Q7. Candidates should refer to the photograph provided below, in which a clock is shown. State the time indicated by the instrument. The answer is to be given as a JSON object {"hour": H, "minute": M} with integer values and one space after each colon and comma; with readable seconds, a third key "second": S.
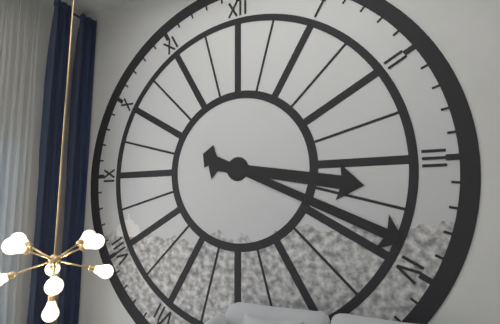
{"hour": 3, "minute": 19}
